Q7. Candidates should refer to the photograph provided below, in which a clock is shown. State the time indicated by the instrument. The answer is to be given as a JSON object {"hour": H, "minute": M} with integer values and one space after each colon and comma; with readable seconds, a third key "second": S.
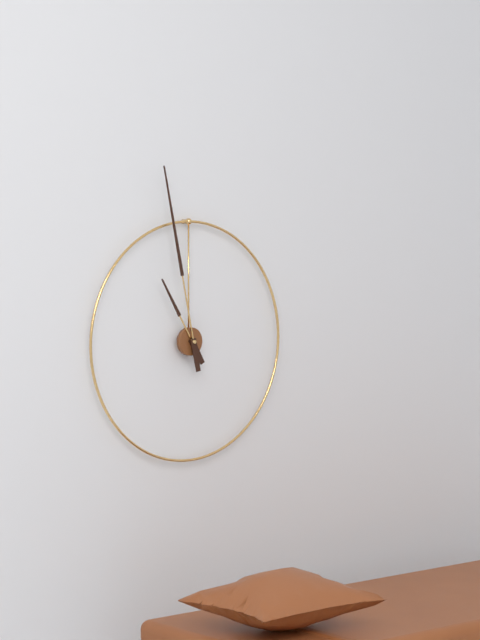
{"hour": 10, "minute": 58}
